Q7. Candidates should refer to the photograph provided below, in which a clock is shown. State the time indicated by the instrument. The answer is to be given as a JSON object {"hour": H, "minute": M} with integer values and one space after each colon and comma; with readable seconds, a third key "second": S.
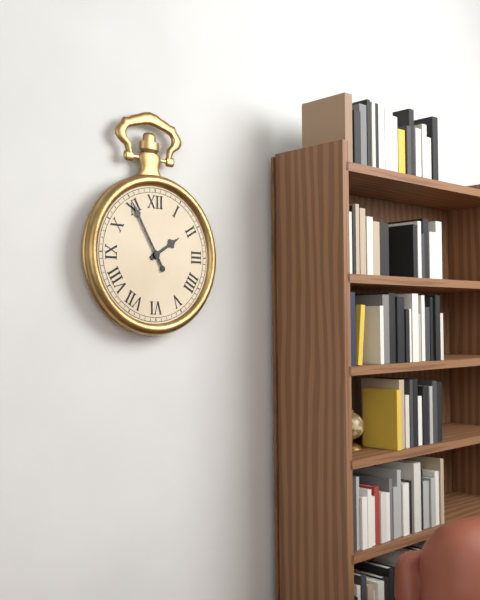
{"hour": 1, "minute": 55}
